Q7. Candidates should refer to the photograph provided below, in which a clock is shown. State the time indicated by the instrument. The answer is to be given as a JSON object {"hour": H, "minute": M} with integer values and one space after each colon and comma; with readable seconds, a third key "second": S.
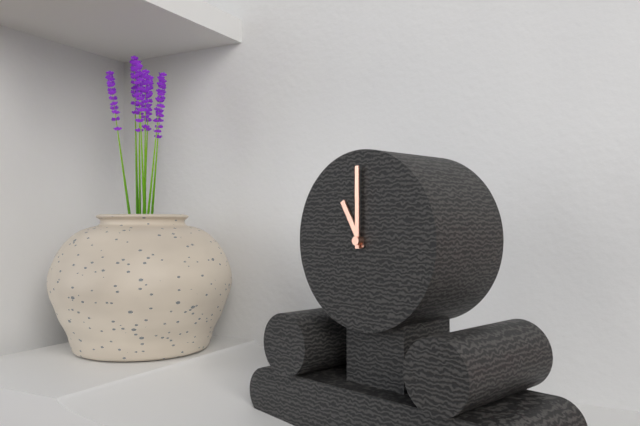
{"hour": 11, "minute": 0}
